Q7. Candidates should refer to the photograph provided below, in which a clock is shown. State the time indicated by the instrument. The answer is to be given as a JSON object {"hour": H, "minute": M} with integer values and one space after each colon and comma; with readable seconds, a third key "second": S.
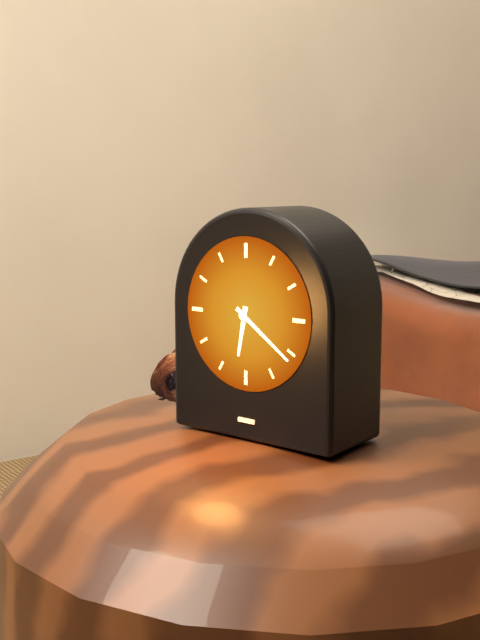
{"hour": 6, "minute": 21}
